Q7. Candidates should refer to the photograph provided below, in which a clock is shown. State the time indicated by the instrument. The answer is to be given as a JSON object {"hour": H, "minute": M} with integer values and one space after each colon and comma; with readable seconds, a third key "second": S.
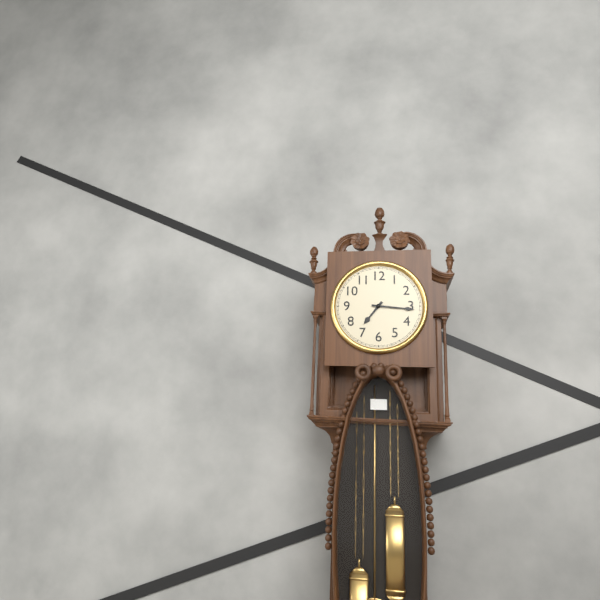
{"hour": 7, "minute": 16}
